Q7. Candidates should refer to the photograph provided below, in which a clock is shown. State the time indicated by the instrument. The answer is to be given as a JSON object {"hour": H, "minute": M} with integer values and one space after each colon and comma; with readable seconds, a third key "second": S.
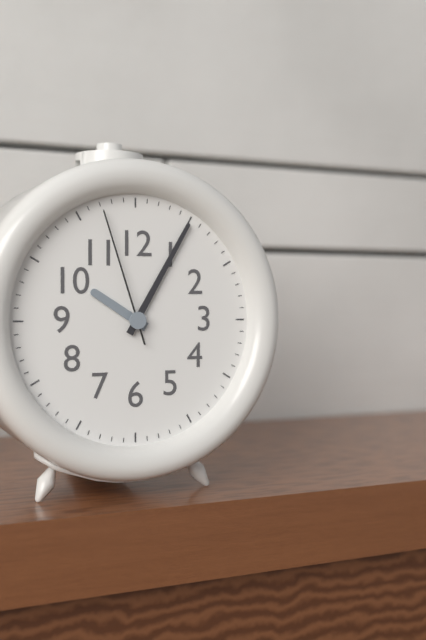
{"hour": 10, "minute": 5, "second": 57}
